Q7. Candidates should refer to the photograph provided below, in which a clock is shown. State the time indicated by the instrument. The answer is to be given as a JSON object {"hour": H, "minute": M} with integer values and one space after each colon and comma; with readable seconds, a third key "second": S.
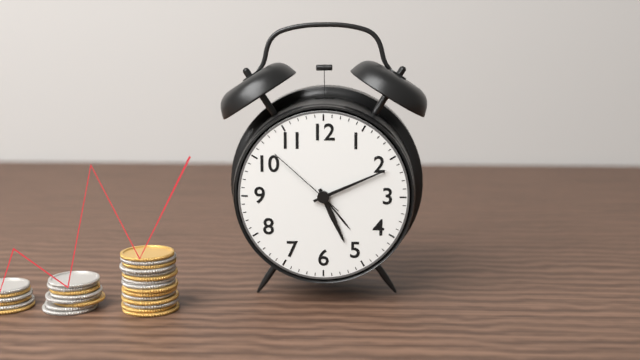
{"hour": 5, "minute": 11, "second": 52}
